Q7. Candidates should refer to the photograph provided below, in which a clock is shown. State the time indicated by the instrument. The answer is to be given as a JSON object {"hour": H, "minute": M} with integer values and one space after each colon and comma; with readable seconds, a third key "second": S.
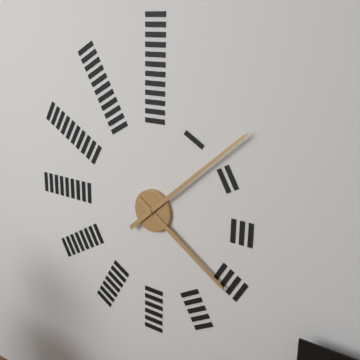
{"hour": 4, "minute": 8}
